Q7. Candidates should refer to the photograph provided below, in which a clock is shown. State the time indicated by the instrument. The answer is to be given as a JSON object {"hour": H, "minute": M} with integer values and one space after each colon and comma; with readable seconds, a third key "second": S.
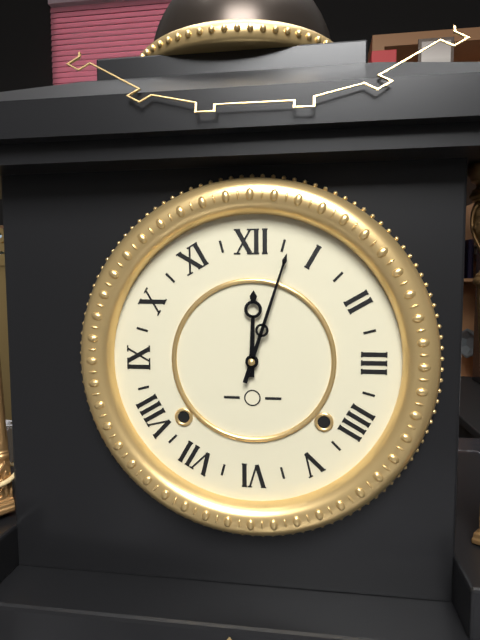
{"hour": 12, "minute": 3}
